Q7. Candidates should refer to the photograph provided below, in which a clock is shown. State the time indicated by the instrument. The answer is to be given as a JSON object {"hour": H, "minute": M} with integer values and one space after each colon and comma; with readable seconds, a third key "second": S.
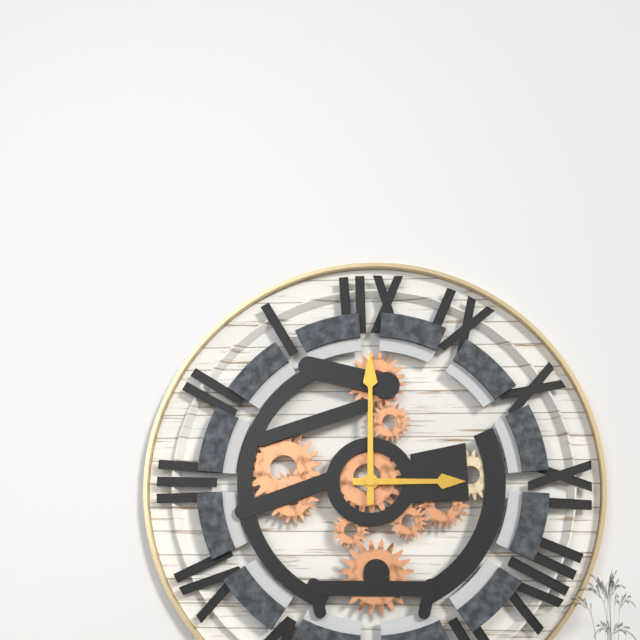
{"hour": 3, "minute": 0}
